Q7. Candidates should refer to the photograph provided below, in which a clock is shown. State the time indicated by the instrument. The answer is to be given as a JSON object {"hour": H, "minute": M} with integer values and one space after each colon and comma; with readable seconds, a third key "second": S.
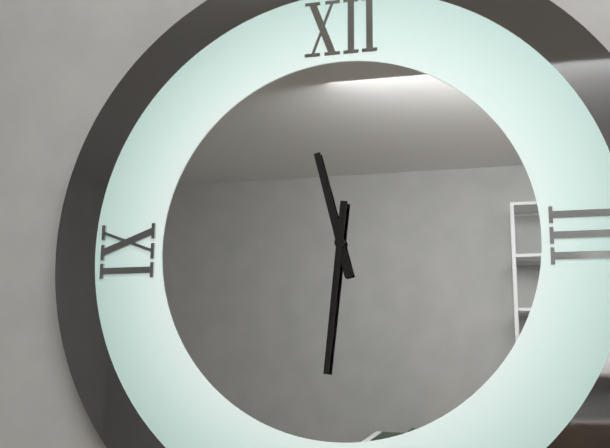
{"hour": 11, "minute": 31}
